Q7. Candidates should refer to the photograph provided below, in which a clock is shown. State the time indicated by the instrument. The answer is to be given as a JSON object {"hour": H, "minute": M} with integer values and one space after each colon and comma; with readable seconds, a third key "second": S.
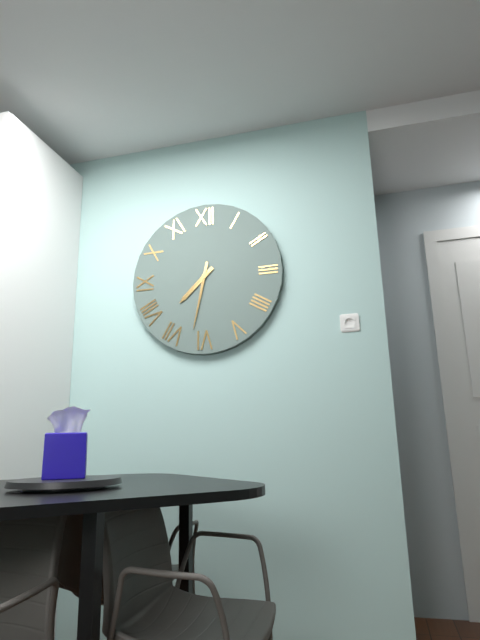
{"hour": 7, "minute": 32}
